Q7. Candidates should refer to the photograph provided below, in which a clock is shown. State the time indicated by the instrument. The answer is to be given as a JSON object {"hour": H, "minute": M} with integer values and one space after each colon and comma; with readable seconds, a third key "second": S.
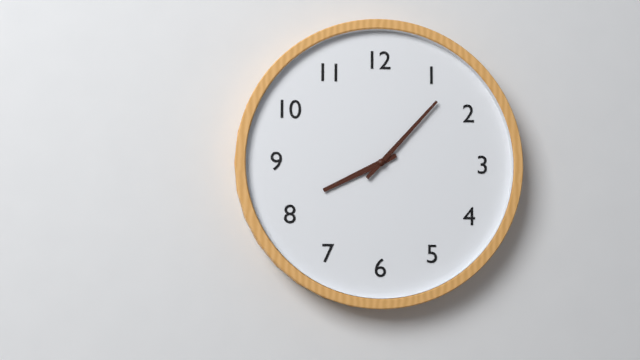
{"hour": 8, "minute": 7}
